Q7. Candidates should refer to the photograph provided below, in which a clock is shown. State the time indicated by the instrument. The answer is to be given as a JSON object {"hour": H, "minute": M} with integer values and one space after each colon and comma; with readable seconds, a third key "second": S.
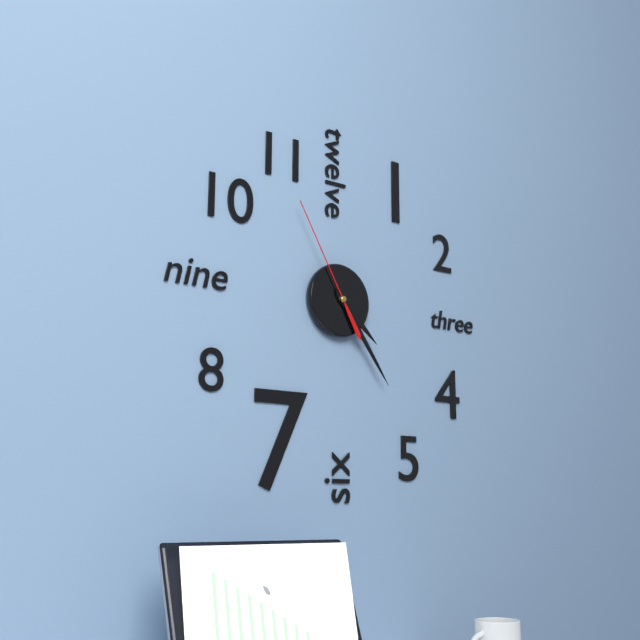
{"hour": 4, "minute": 24, "second": 55}
